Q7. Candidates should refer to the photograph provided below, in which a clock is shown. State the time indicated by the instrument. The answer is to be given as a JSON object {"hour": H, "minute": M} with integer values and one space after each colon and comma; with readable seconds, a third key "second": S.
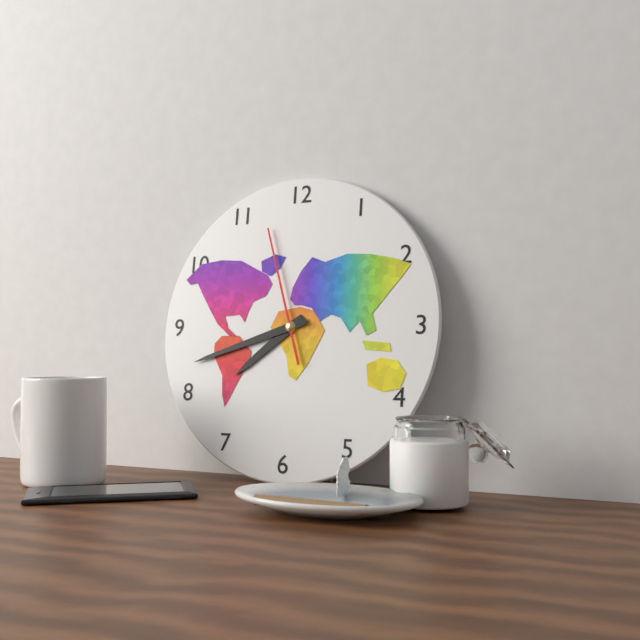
{"hour": 7, "minute": 42, "second": 57}
